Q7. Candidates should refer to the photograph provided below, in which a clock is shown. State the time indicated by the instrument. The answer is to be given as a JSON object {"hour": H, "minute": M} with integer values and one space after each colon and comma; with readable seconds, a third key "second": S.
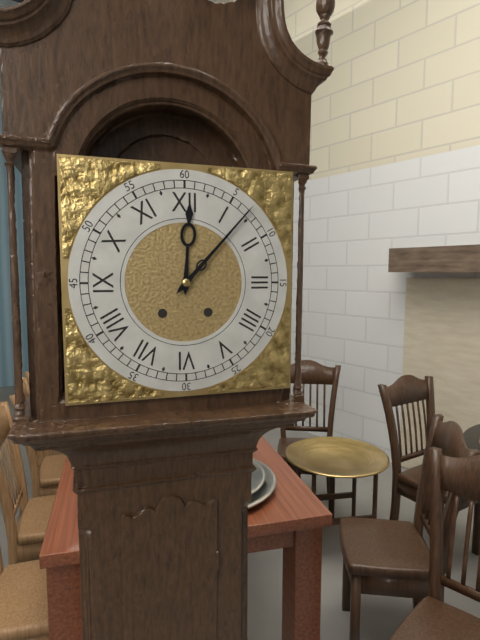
{"hour": 12, "minute": 7}
